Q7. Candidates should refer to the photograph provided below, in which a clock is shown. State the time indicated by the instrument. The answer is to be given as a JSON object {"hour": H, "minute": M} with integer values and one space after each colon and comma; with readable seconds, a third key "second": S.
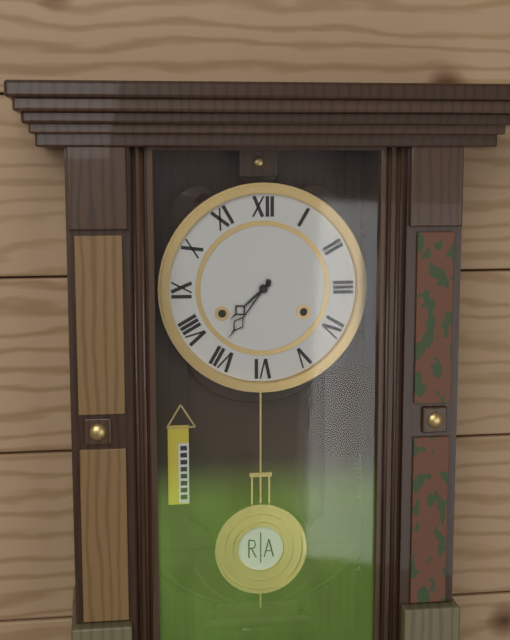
{"hour": 7, "minute": 36}
